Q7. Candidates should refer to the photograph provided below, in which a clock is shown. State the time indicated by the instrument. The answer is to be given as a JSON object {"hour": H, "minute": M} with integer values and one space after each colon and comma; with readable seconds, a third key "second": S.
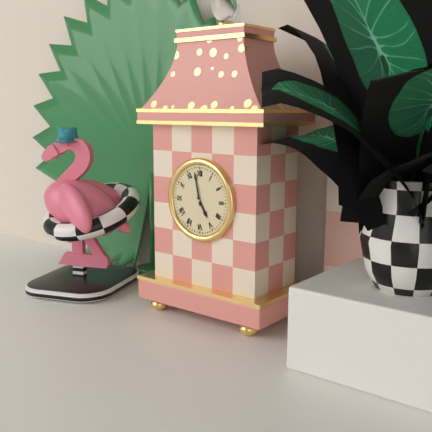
{"hour": 4, "minute": 58}
